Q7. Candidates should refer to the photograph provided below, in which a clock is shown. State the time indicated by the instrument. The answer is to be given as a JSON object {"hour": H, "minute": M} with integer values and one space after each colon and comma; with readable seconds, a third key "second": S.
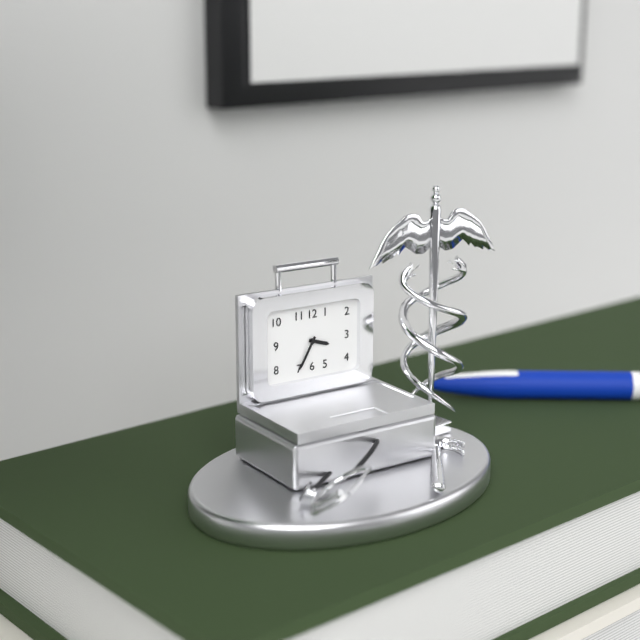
{"hour": 3, "minute": 35}
